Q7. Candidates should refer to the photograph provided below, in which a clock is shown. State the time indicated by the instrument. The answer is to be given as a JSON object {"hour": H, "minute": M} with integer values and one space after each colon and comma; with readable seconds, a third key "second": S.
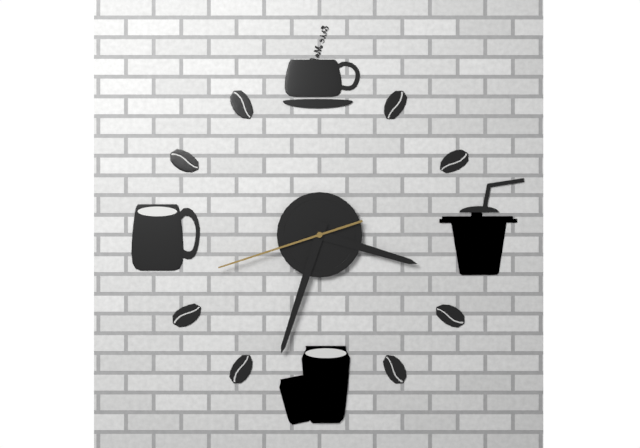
{"hour": 3, "minute": 33, "second": 42}
